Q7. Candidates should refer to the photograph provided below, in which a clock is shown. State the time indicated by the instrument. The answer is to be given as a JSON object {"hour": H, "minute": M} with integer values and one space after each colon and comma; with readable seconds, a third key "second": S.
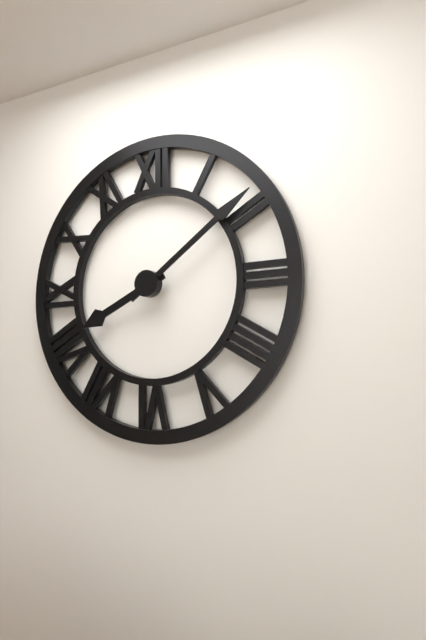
{"hour": 8, "minute": 9}
